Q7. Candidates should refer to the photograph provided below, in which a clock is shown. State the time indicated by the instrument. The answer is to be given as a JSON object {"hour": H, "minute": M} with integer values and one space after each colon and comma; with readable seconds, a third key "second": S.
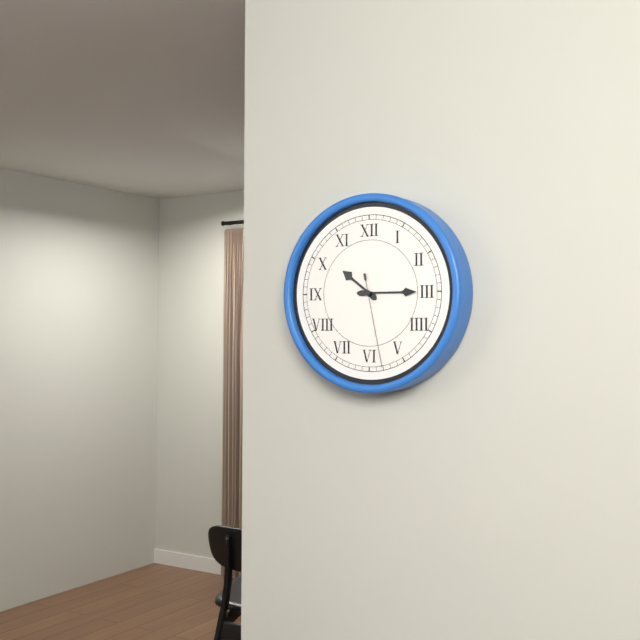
{"hour": 10, "minute": 15, "second": 28}
